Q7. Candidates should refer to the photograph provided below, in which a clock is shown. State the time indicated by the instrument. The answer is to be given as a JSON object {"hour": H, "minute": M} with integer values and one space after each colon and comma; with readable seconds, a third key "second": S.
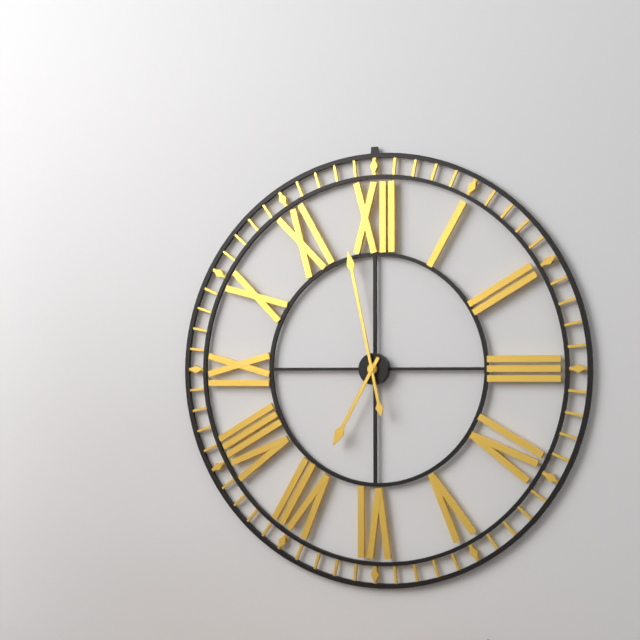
{"hour": 6, "minute": 58}
